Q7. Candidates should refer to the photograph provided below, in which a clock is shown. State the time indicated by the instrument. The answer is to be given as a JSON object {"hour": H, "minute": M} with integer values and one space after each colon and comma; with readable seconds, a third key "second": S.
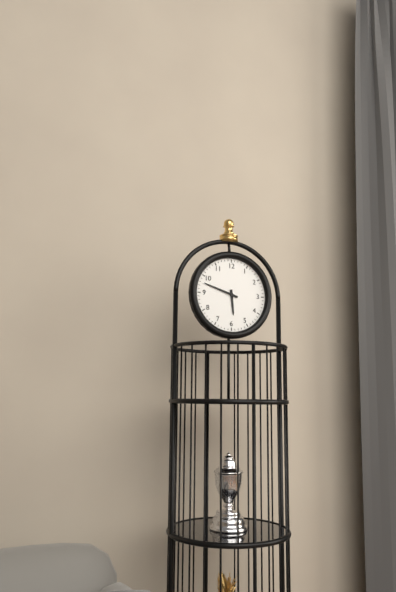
{"hour": 5, "minute": 48}
